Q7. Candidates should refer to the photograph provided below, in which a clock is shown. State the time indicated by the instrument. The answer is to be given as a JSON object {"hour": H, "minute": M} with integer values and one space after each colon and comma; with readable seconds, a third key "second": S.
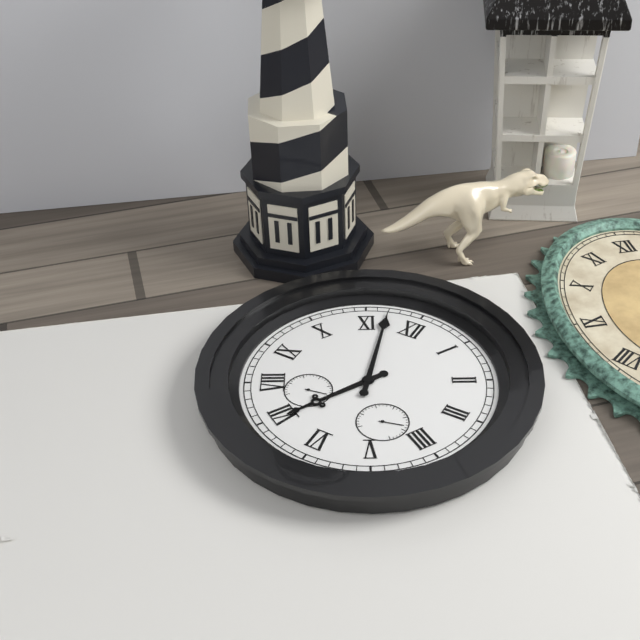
{"hour": 6, "minute": 57}
